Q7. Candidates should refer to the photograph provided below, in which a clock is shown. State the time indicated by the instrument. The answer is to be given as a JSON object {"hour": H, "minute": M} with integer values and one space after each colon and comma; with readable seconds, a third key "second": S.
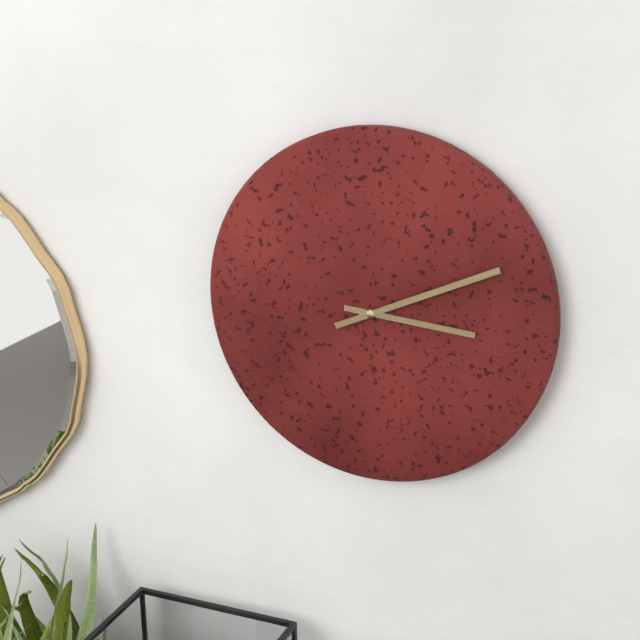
{"hour": 3, "minute": 11}
